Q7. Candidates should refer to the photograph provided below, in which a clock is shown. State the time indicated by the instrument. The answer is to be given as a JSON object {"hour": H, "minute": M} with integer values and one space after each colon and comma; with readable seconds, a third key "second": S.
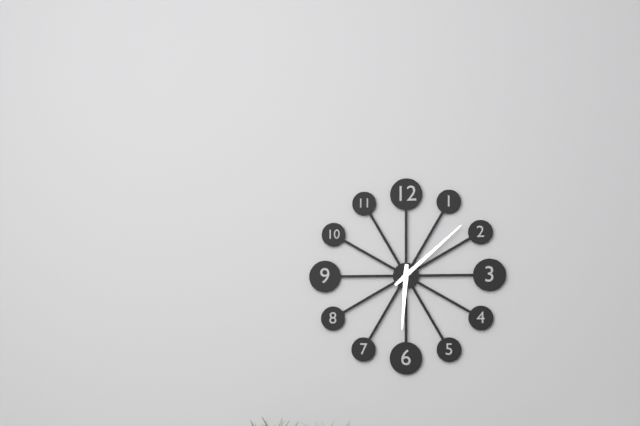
{"hour": 6, "minute": 8}
